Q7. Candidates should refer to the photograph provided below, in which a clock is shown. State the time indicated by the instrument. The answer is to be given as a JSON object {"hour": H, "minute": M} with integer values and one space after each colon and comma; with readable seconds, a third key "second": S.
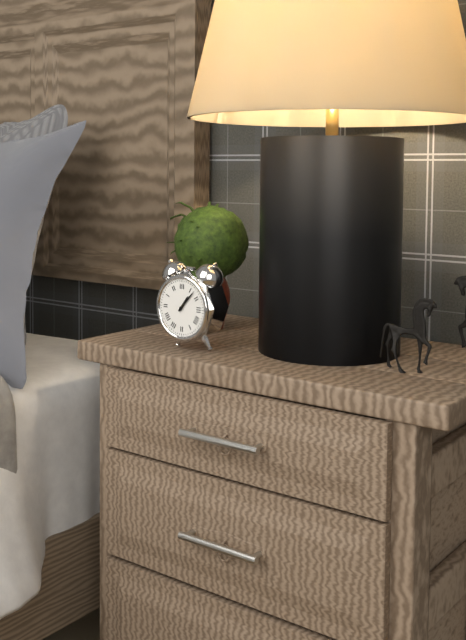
{"hour": 1, "minute": 7}
